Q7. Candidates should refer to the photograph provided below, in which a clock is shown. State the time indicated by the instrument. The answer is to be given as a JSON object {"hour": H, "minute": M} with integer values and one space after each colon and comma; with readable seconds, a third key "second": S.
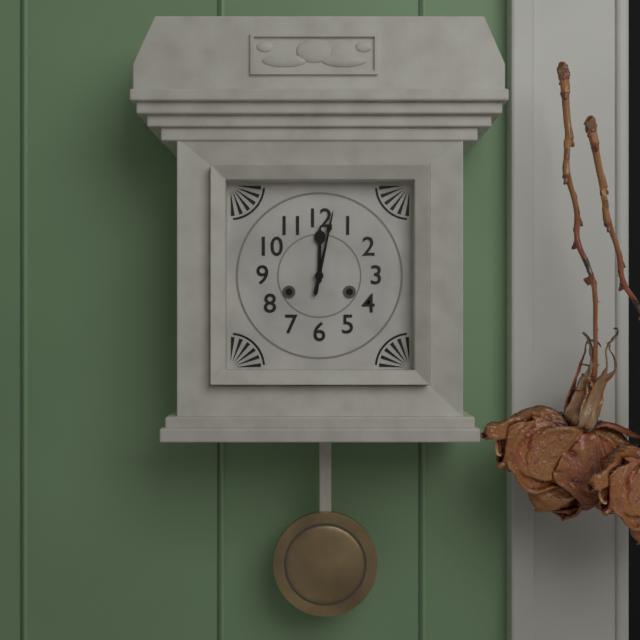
{"hour": 12, "minute": 2}
